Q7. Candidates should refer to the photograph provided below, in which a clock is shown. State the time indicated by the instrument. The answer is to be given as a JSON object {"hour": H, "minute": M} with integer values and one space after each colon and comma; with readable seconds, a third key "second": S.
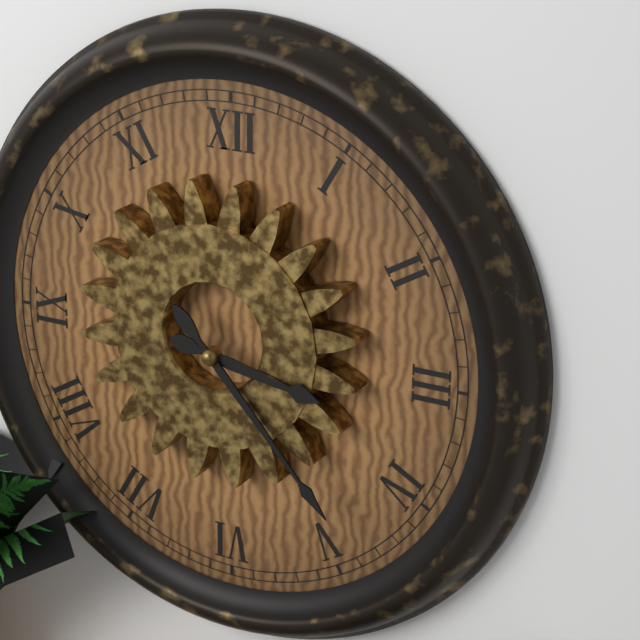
{"hour": 3, "minute": 23}
